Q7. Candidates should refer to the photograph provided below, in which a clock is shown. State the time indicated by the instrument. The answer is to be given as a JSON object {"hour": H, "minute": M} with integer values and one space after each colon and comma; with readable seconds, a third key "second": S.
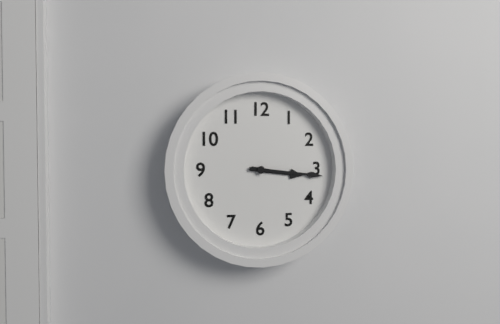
{"hour": 3, "minute": 16}
